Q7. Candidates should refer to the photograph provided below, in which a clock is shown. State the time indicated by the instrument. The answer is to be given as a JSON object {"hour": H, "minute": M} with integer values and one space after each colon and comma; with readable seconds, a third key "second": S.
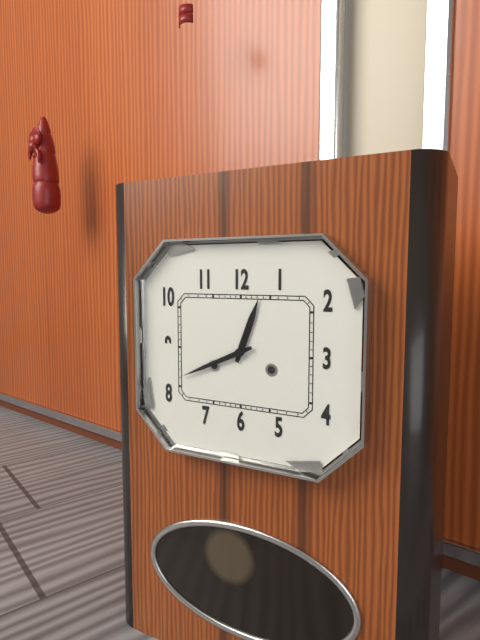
{"hour": 12, "minute": 41}
